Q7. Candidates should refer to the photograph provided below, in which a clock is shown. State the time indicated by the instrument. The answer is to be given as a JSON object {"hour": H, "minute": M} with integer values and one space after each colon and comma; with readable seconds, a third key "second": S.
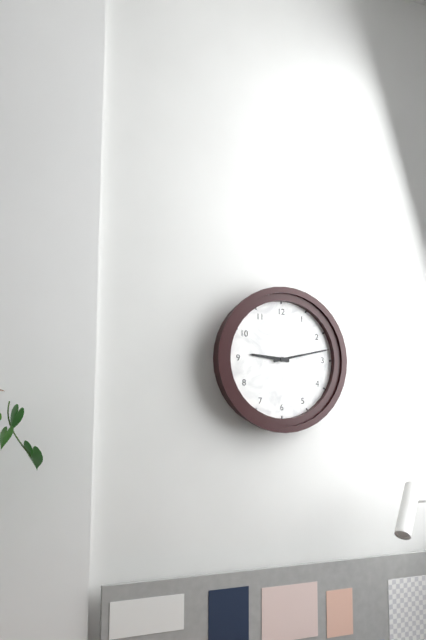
{"hour": 9, "minute": 13}
